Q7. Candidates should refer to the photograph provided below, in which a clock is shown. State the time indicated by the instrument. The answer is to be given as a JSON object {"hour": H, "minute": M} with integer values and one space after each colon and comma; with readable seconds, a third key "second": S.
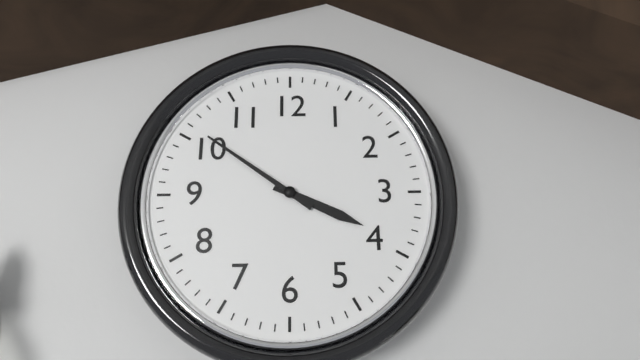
{"hour": 3, "minute": 51}
